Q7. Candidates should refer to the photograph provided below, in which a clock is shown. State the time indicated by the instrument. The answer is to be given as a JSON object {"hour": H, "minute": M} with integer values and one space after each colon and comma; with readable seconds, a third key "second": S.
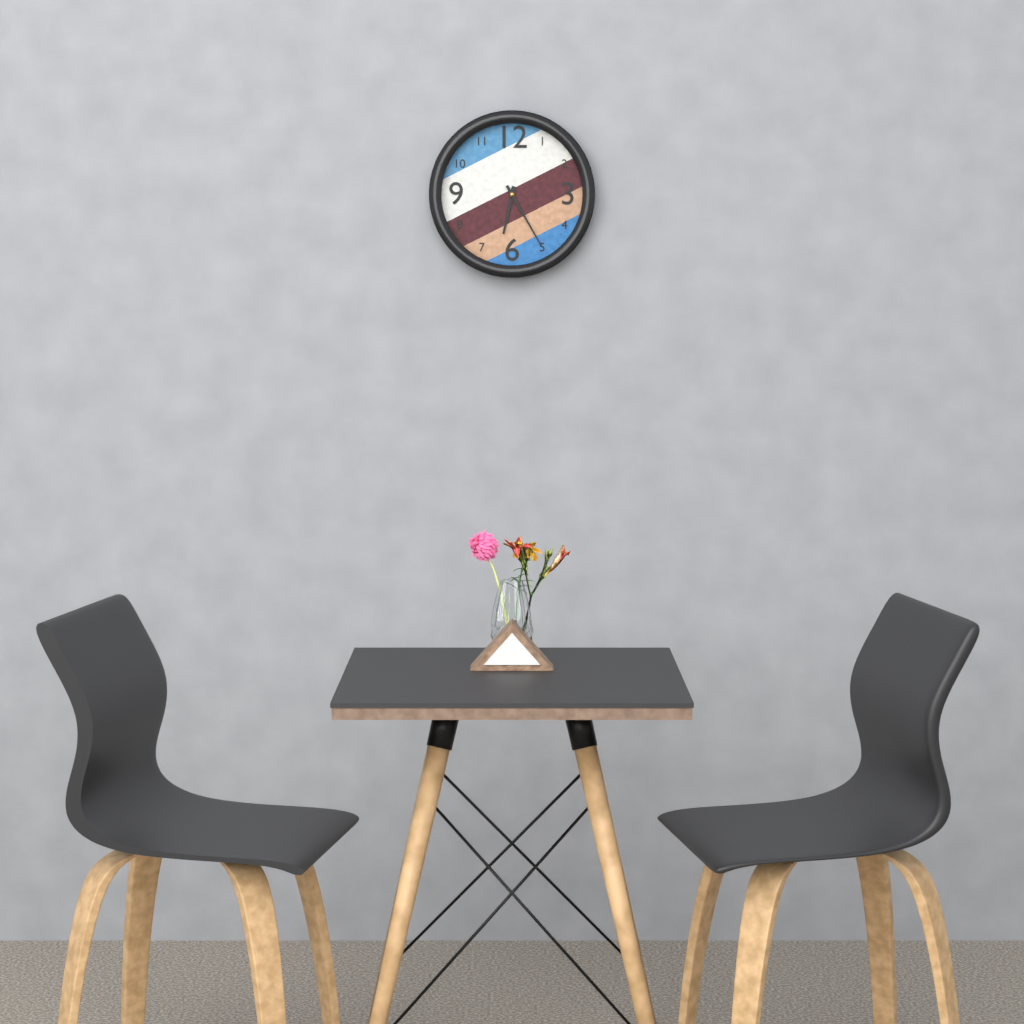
{"hour": 6, "minute": 25}
